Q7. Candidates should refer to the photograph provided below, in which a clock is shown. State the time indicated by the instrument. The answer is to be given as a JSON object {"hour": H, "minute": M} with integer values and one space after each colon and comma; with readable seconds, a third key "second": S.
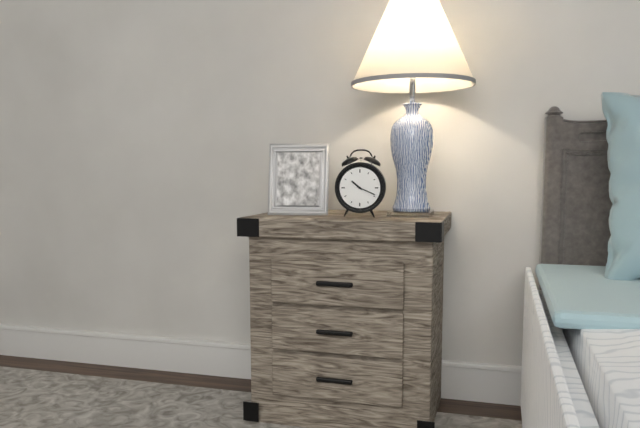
{"hour": 10, "minute": 19}
